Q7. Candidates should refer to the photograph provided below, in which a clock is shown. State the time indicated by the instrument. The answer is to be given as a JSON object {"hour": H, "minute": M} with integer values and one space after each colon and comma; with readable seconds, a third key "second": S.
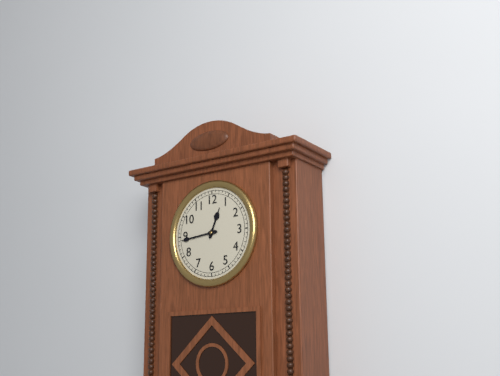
{"hour": 12, "minute": 44}
